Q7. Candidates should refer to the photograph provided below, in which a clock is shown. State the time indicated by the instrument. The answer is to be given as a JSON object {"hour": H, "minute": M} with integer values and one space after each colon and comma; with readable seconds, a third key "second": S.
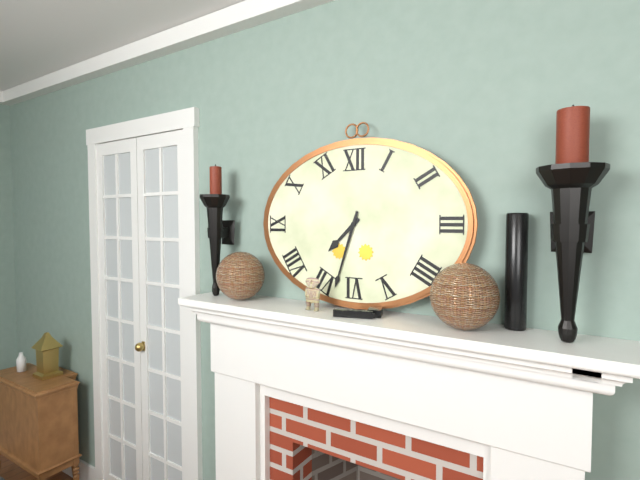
{"hour": 7, "minute": 33}
